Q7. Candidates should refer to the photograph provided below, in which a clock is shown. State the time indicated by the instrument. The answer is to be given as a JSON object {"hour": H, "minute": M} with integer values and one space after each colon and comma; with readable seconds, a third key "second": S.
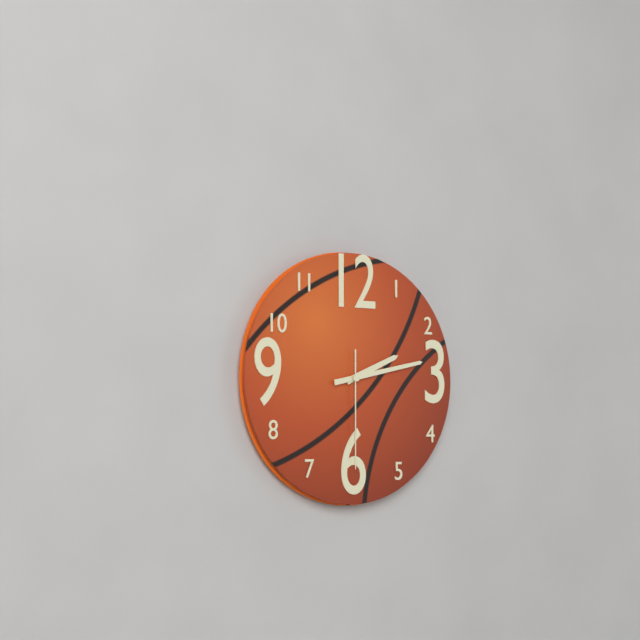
{"hour": 2, "minute": 13, "second": 30}
